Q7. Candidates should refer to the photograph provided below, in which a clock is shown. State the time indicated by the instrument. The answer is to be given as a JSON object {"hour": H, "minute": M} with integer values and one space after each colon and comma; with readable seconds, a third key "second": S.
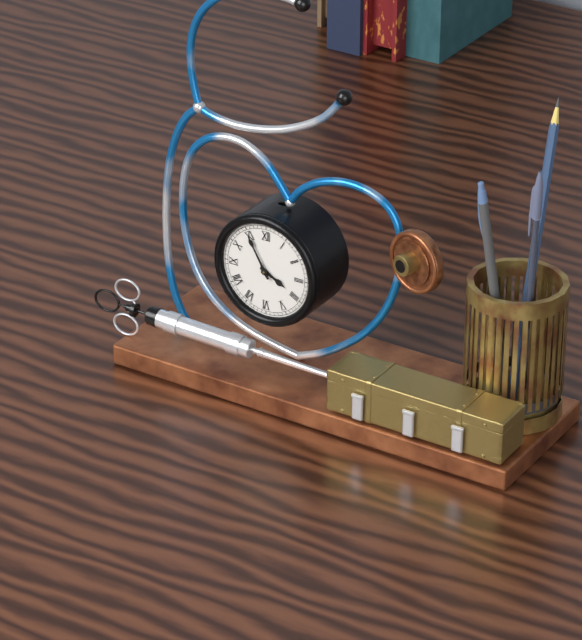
{"hour": 3, "minute": 55}
